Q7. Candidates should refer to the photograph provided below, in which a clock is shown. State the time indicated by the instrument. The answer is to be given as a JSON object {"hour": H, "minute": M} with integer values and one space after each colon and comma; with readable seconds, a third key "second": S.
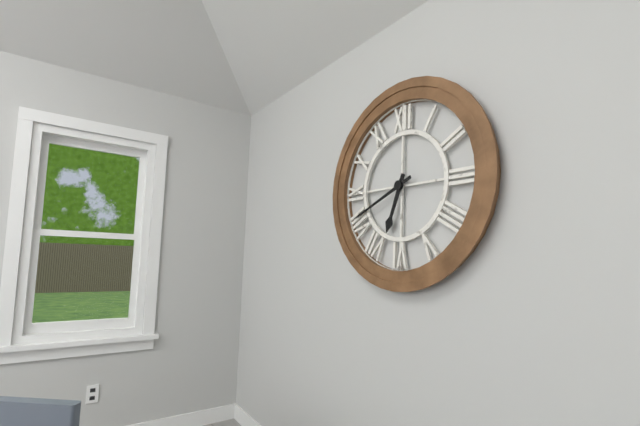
{"hour": 6, "minute": 41}
